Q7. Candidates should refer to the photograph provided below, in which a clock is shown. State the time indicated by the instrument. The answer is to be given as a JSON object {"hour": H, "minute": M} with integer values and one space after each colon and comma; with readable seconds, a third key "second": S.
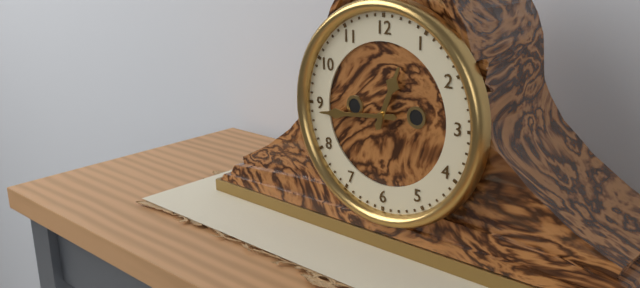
{"hour": 12, "minute": 44}
